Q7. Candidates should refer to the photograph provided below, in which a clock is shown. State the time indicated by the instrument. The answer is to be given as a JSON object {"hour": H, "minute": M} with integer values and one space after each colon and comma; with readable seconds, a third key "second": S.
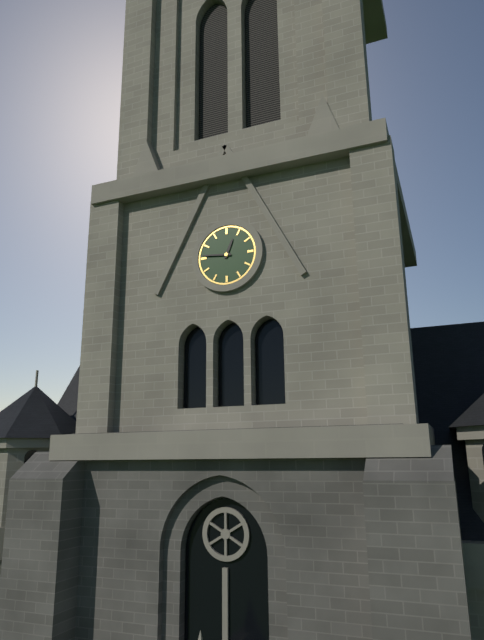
{"hour": 12, "minute": 46}
